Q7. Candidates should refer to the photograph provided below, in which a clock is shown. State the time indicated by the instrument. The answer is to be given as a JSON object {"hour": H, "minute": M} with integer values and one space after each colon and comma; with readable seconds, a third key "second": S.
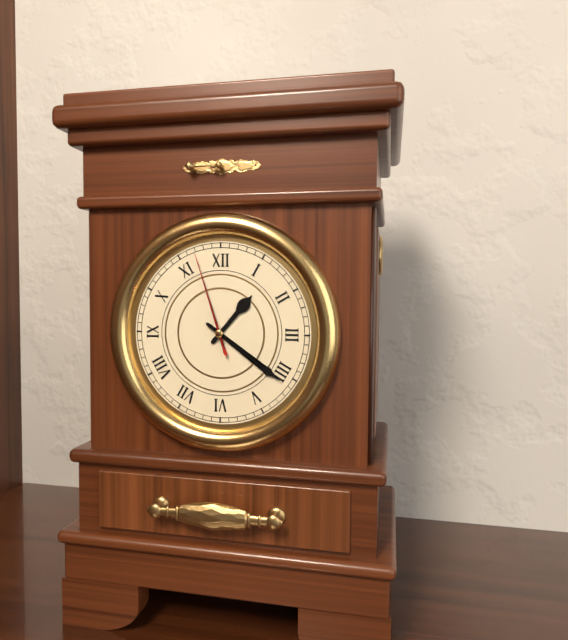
{"hour": 1, "minute": 21, "second": 57}
